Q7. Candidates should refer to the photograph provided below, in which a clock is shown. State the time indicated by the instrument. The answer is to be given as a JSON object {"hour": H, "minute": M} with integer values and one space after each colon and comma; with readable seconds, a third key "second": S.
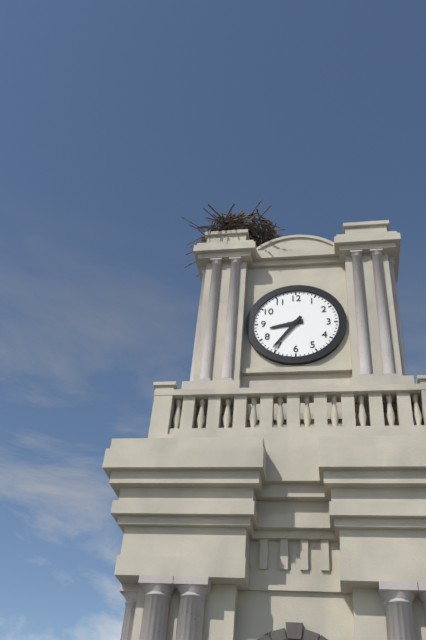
{"hour": 8, "minute": 36}
